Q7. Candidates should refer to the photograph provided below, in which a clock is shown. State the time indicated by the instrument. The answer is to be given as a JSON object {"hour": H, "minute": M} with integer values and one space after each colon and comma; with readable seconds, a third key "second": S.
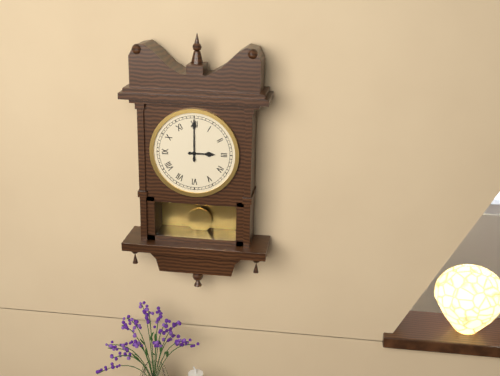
{"hour": 3, "minute": 0}
